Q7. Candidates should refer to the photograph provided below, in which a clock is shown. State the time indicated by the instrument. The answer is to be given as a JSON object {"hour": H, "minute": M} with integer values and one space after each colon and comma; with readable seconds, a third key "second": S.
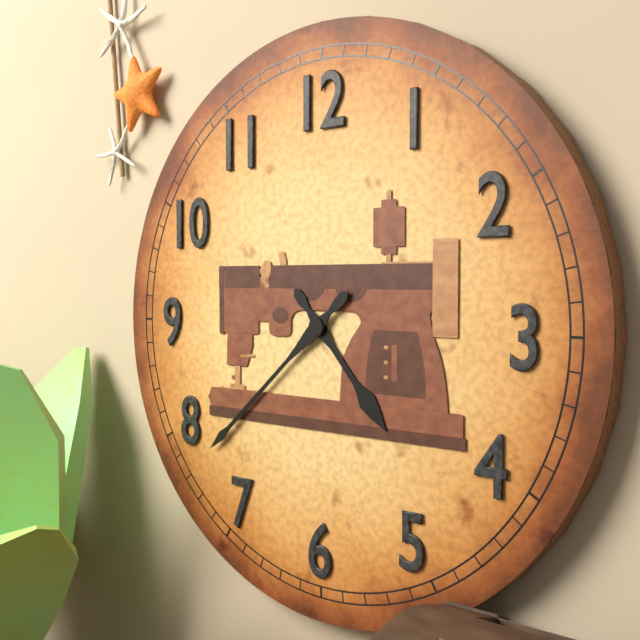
{"hour": 4, "minute": 38}
